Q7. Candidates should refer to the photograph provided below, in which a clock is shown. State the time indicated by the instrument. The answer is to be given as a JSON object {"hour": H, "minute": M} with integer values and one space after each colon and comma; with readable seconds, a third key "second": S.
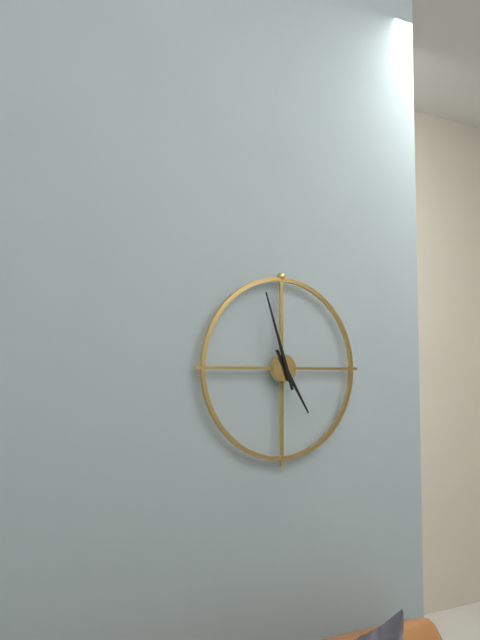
{"hour": 4, "minute": 57}
